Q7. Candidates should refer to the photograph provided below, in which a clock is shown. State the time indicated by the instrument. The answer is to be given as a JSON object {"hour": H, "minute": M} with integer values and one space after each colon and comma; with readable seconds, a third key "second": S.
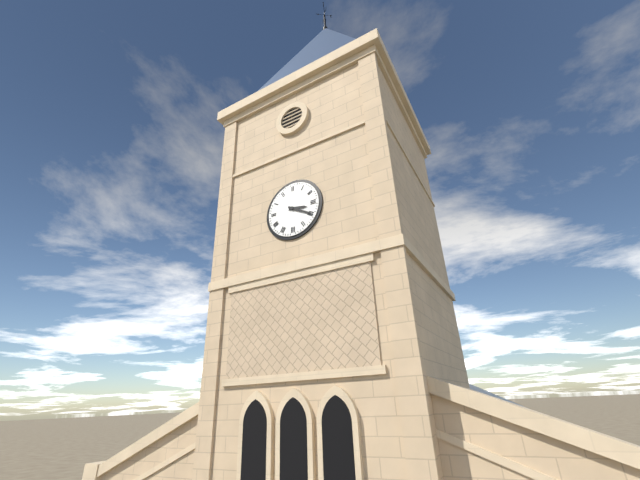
{"hour": 3, "minute": 20}
